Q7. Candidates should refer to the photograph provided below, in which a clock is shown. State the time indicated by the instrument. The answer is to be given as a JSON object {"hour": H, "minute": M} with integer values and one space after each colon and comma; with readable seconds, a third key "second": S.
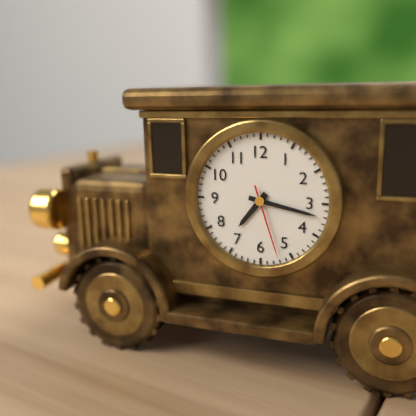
{"hour": 7, "minute": 17, "second": 27}
